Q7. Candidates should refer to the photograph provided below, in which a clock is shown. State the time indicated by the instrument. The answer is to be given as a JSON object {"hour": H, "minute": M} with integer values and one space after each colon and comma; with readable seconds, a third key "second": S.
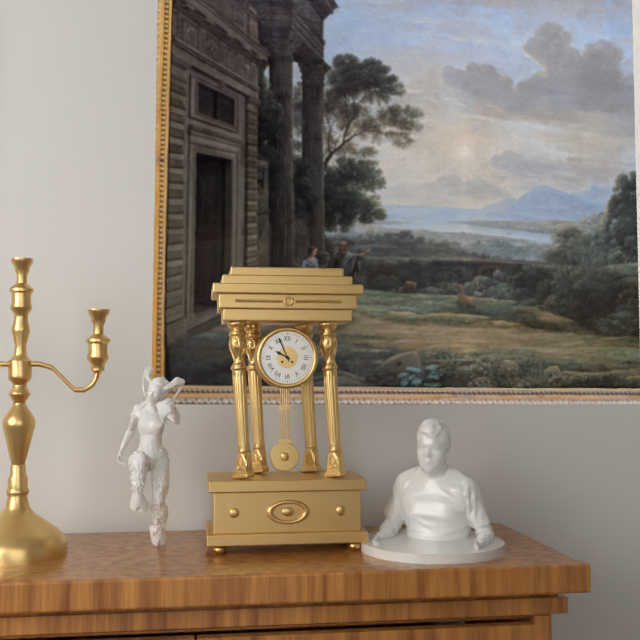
{"hour": 9, "minute": 56}
